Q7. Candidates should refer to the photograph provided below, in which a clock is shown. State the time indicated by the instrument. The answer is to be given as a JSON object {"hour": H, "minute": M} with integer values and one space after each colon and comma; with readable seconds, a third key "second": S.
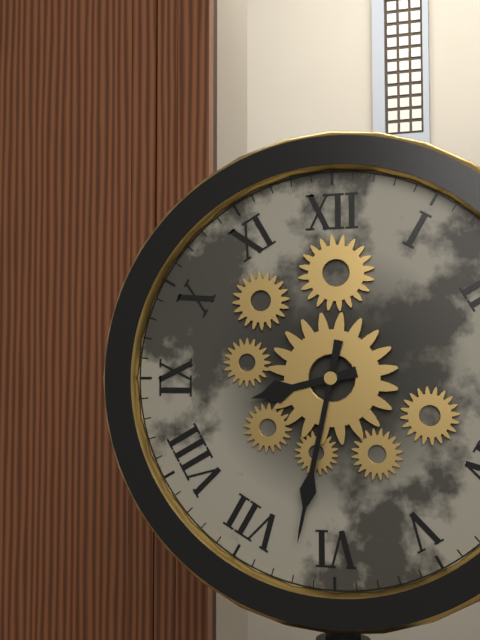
{"hour": 8, "minute": 32}
